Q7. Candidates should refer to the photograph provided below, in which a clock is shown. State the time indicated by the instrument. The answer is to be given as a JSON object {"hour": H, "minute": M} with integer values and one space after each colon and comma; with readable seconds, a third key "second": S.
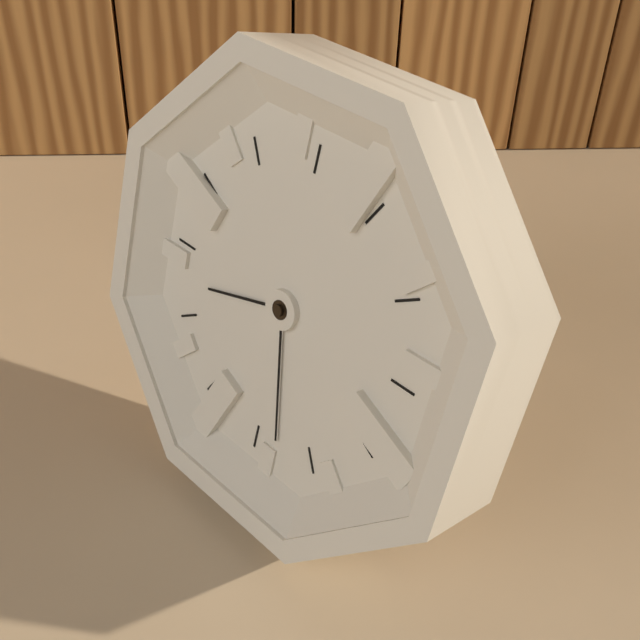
{"hour": 8, "minute": 28}
